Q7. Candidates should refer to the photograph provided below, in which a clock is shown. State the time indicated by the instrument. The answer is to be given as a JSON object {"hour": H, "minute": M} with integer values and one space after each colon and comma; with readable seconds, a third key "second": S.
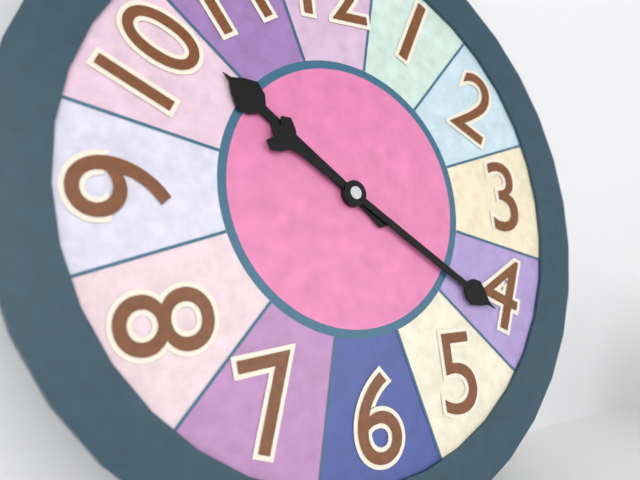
{"hour": 10, "minute": 21}
